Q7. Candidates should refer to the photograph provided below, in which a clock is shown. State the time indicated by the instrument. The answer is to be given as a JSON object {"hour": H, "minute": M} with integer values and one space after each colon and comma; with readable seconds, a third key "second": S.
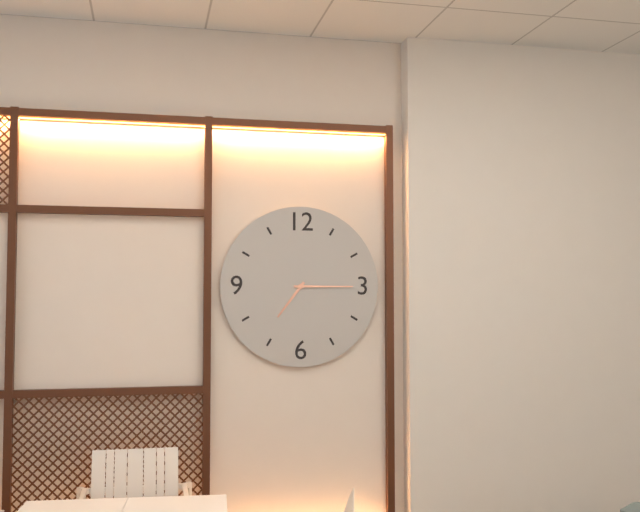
{"hour": 7, "minute": 15}
